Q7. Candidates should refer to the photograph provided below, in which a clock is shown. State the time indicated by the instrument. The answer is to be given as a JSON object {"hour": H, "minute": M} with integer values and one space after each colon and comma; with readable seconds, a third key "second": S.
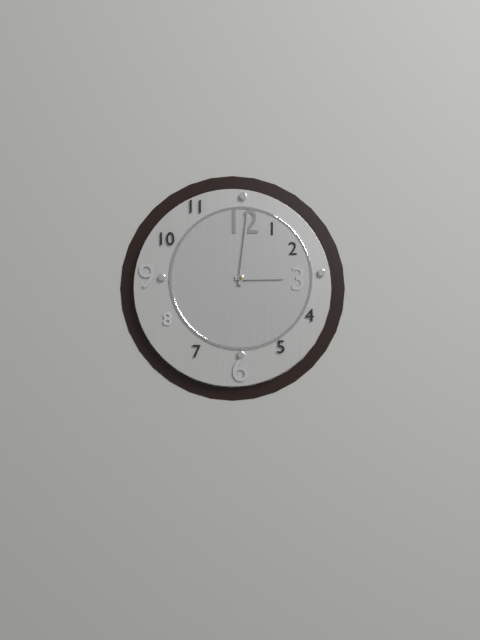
{"hour": 3, "minute": 1}
